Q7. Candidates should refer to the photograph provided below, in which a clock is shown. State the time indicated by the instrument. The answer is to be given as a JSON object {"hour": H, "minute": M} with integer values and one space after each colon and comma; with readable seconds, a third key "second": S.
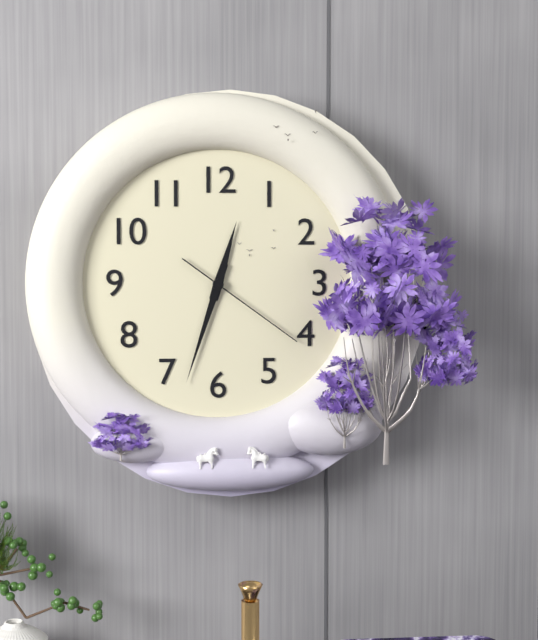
{"hour": 12, "minute": 33, "second": 21}
